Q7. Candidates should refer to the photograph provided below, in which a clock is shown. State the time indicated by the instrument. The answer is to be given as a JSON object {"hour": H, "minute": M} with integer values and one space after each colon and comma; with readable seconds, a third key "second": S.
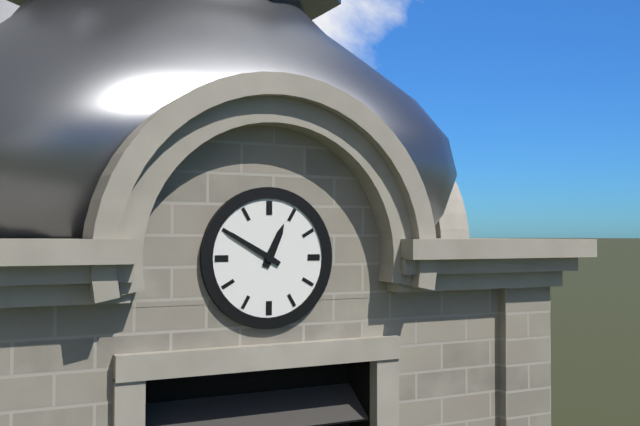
{"hour": 12, "minute": 50}
